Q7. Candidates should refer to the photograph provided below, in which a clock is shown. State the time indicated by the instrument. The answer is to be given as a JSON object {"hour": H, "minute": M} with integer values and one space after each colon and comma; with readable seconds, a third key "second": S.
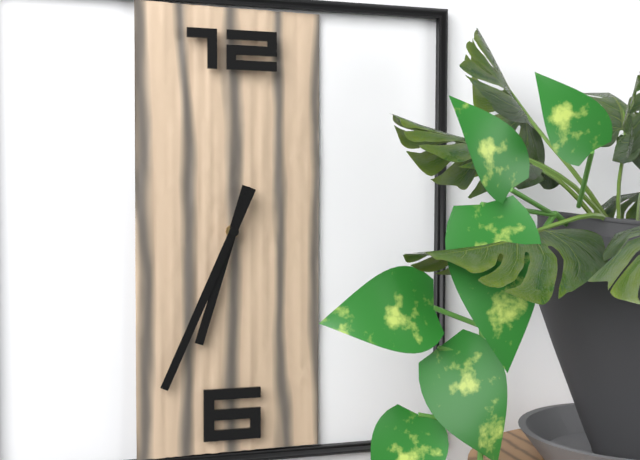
{"hour": 6, "minute": 34}
